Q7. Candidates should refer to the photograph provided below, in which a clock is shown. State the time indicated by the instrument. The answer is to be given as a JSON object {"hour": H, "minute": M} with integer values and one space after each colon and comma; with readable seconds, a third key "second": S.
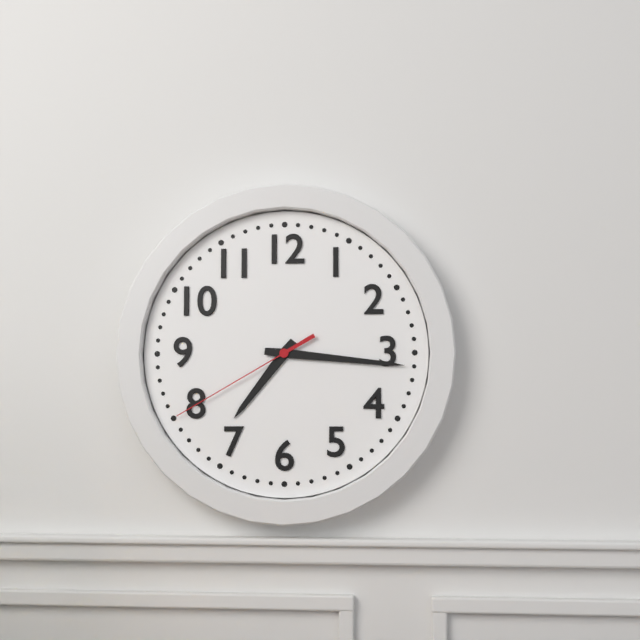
{"hour": 7, "minute": 16, "second": 40}
